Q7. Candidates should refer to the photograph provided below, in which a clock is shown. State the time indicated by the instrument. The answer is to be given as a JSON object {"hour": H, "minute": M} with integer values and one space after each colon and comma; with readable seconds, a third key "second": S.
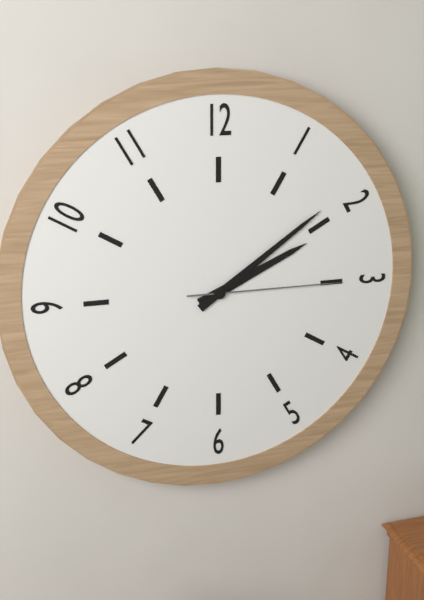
{"hour": 2, "minute": 9, "second": 15}
